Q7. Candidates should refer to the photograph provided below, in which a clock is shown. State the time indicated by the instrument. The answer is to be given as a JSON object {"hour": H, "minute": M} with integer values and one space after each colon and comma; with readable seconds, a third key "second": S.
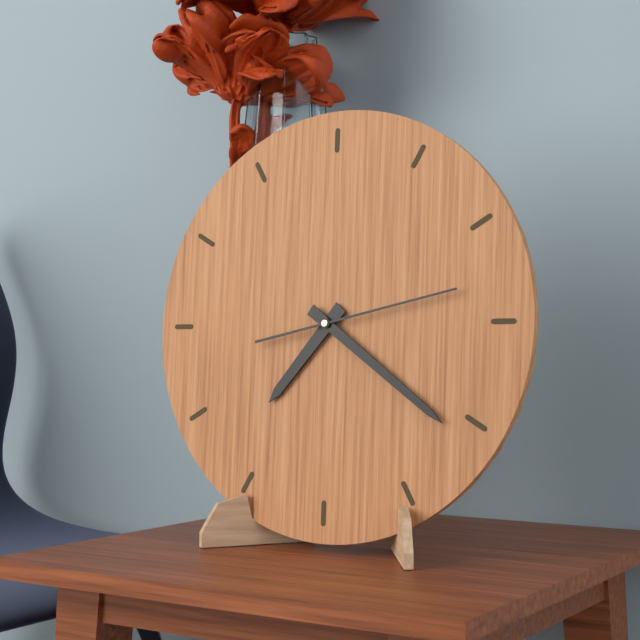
{"hour": 7, "minute": 21, "second": 13}
